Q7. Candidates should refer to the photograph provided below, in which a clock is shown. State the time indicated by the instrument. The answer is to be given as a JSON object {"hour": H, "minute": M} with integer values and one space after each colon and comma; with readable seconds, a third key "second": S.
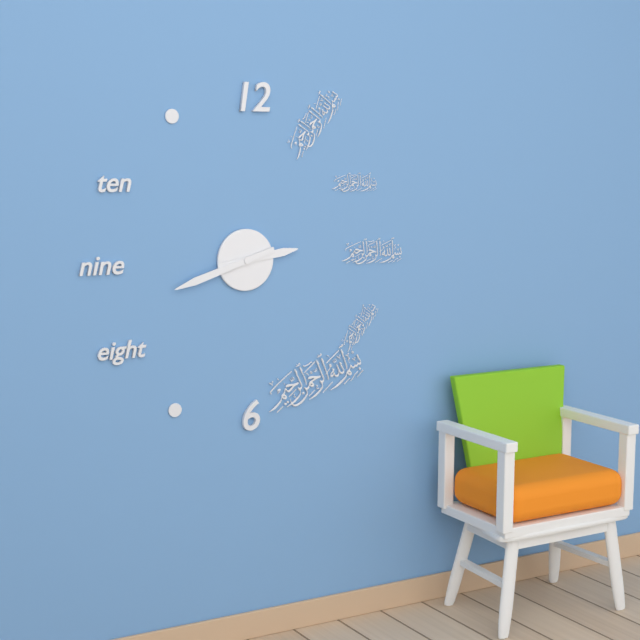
{"hour": 2, "minute": 42}
